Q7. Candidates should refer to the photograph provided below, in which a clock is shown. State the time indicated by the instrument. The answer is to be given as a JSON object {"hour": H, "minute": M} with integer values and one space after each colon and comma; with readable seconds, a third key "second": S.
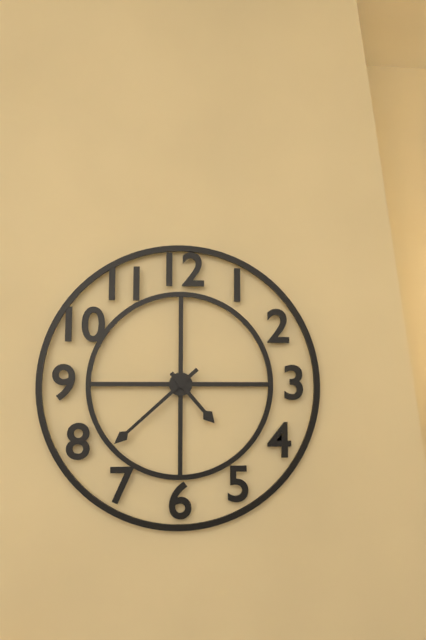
{"hour": 4, "minute": 38}
